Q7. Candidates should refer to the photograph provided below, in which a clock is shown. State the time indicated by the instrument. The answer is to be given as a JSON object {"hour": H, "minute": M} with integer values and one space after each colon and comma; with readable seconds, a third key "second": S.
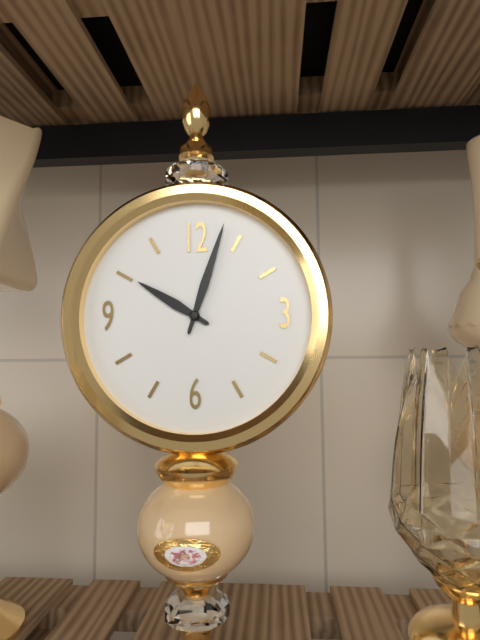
{"hour": 10, "minute": 3}
